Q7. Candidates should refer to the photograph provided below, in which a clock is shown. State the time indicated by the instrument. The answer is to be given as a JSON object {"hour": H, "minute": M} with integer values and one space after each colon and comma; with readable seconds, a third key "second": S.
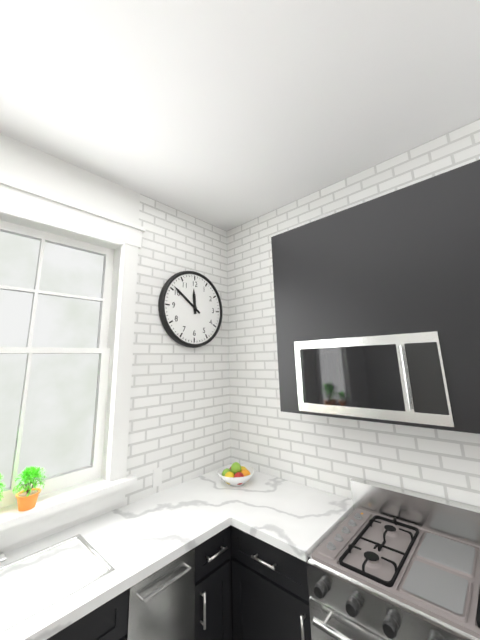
{"hour": 11, "minute": 51}
